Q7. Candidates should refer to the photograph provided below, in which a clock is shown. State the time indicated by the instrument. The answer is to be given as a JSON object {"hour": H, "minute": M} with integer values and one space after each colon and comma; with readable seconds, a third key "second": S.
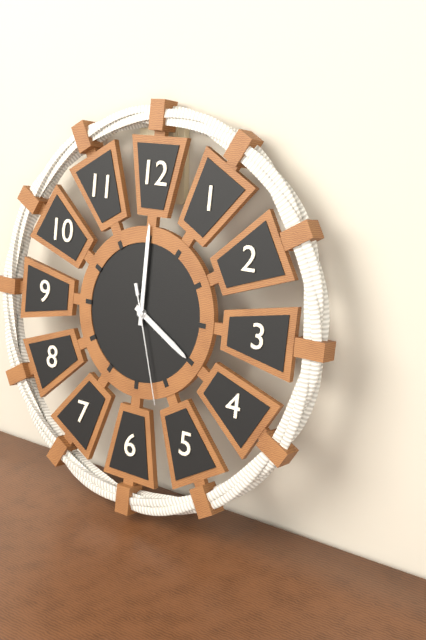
{"hour": 4, "minute": 0, "second": 27}
